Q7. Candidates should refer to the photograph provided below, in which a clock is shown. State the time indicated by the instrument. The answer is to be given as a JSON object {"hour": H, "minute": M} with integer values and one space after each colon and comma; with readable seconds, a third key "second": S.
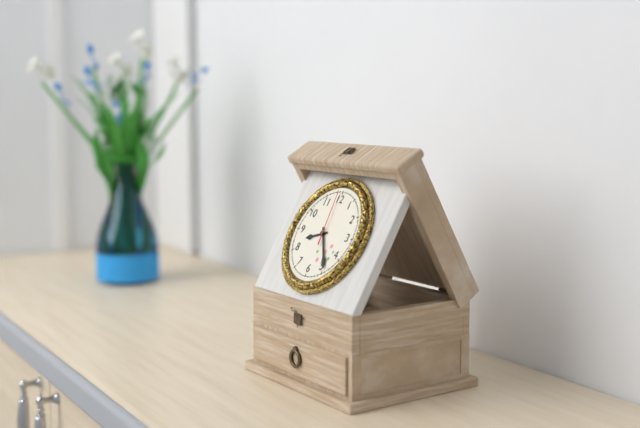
{"hour": 8, "minute": 24, "second": 59}
